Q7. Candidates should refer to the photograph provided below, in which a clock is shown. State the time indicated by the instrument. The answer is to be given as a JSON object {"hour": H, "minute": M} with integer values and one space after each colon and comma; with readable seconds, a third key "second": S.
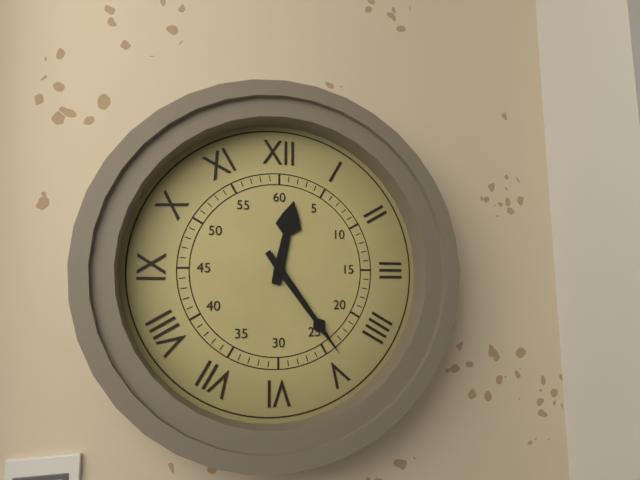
{"hour": 12, "minute": 24}
